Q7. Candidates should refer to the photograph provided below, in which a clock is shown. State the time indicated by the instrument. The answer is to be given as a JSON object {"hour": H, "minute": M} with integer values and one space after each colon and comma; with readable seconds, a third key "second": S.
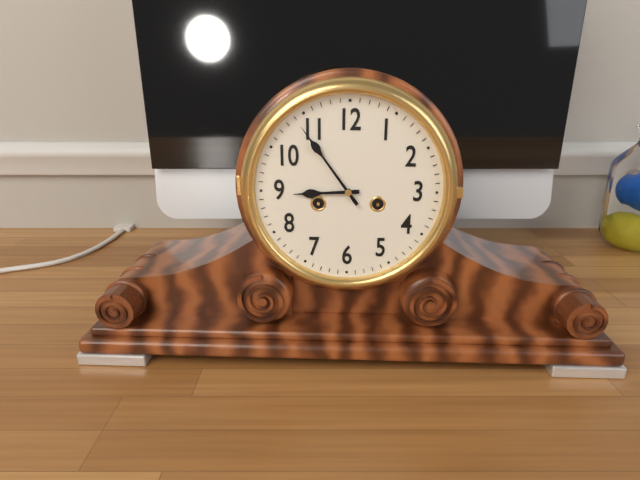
{"hour": 8, "minute": 54}
